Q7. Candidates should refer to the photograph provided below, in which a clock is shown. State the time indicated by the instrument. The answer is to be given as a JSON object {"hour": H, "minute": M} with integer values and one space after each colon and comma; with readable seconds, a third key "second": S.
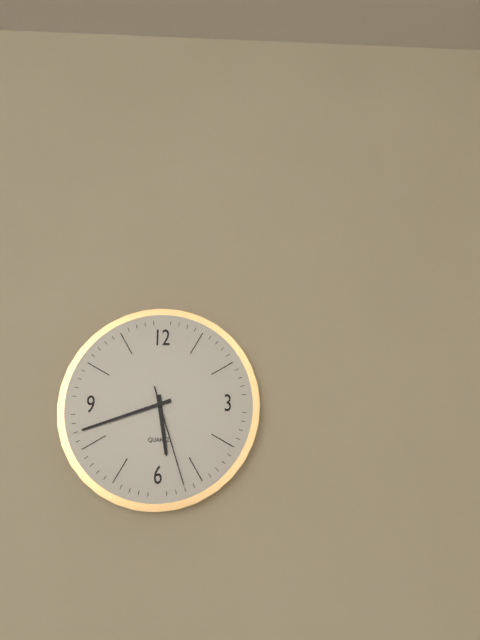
{"hour": 5, "minute": 42, "second": 27}
